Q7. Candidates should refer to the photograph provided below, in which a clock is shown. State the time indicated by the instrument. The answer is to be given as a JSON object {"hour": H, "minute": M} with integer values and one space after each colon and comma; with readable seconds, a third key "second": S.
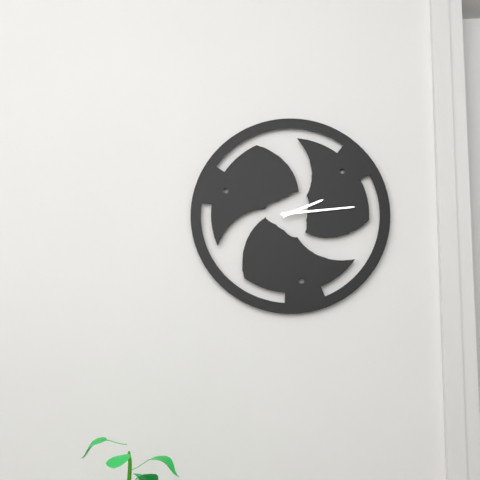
{"hour": 2, "minute": 14}
